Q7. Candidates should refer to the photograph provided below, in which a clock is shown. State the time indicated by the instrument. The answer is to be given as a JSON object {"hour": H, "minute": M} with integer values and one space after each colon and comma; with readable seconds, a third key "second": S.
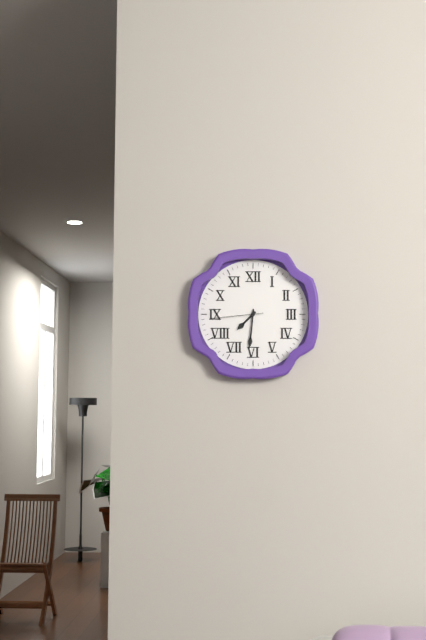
{"hour": 7, "minute": 31, "second": 44}
